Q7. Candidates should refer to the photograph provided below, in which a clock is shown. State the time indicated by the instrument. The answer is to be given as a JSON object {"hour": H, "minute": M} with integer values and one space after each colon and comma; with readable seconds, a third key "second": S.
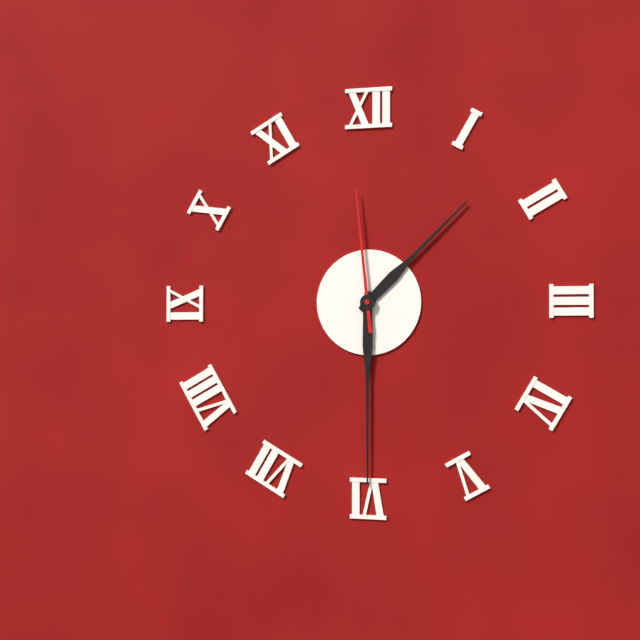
{"hour": 1, "minute": 30, "second": 59}
